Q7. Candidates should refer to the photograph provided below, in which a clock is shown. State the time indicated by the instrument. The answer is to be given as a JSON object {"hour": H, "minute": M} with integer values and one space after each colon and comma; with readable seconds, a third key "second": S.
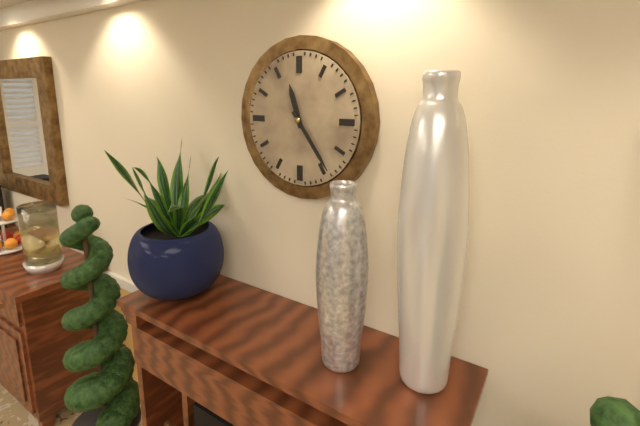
{"hour": 11, "minute": 24}
